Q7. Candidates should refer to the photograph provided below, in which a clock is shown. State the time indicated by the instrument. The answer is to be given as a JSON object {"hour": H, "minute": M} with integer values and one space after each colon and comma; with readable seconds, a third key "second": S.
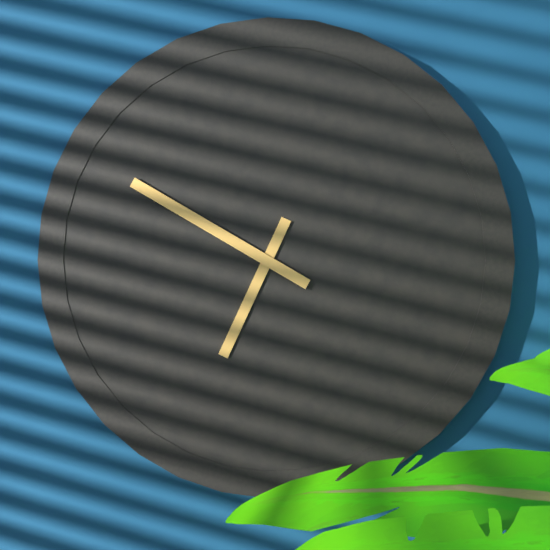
{"hour": 6, "minute": 50}
